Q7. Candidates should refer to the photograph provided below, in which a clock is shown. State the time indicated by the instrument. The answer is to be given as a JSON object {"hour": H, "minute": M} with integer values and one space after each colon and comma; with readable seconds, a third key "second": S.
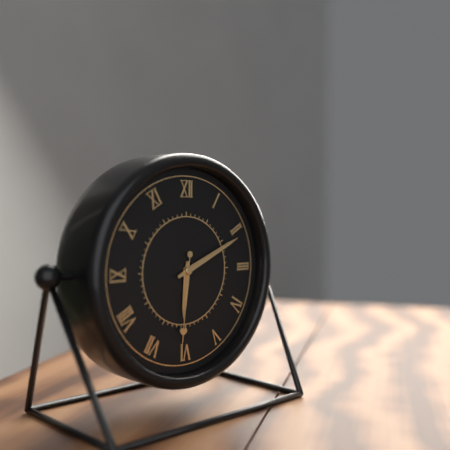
{"hour": 6, "minute": 11, "second": 31}
